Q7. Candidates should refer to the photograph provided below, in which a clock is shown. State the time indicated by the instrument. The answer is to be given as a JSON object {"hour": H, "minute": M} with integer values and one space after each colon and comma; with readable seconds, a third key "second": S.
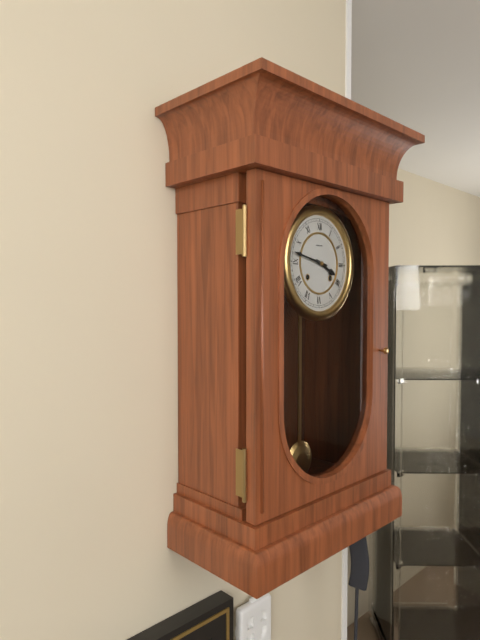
{"hour": 3, "minute": 47}
